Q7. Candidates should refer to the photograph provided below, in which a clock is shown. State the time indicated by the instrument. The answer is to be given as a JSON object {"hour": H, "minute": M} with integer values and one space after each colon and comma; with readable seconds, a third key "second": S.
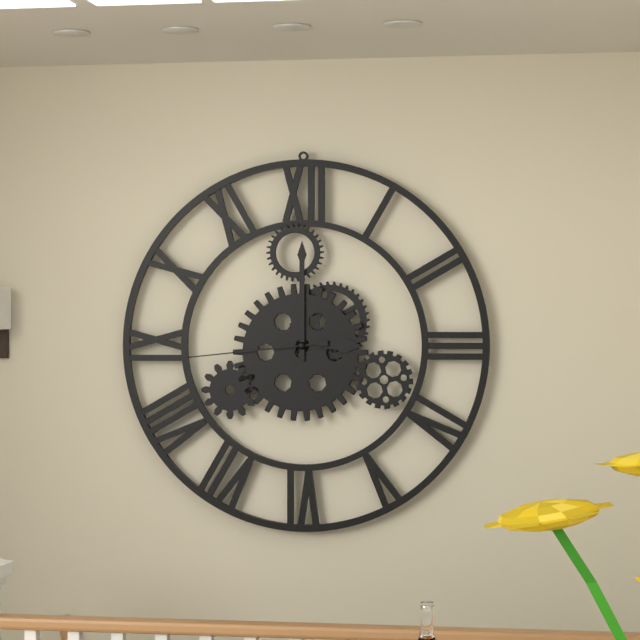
{"hour": 3, "minute": 0, "second": 44}
